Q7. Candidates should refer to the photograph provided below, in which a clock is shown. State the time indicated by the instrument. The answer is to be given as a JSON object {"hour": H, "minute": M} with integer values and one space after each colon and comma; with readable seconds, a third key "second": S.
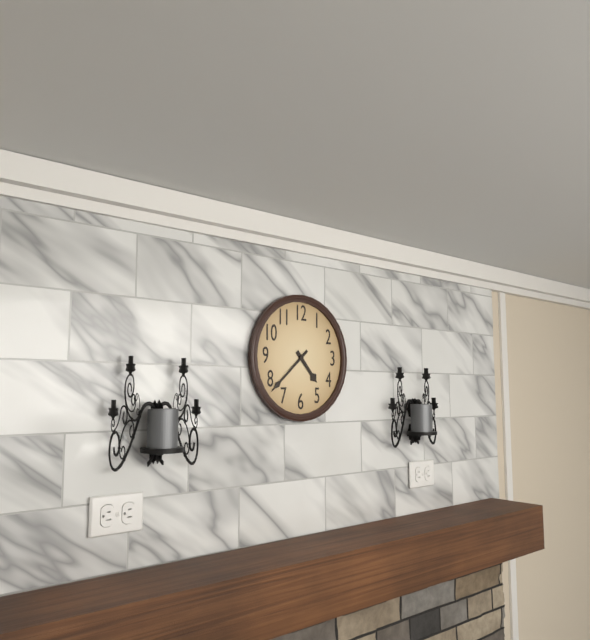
{"hour": 4, "minute": 38}
